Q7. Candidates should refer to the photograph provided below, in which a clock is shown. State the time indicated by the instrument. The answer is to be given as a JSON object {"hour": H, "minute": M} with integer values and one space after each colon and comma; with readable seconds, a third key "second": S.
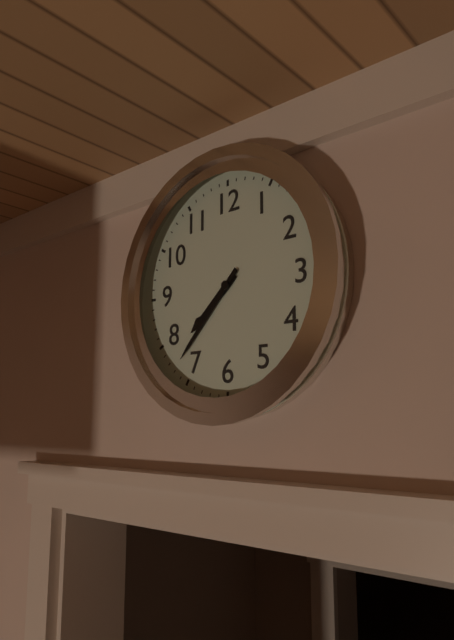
{"hour": 7, "minute": 37}
